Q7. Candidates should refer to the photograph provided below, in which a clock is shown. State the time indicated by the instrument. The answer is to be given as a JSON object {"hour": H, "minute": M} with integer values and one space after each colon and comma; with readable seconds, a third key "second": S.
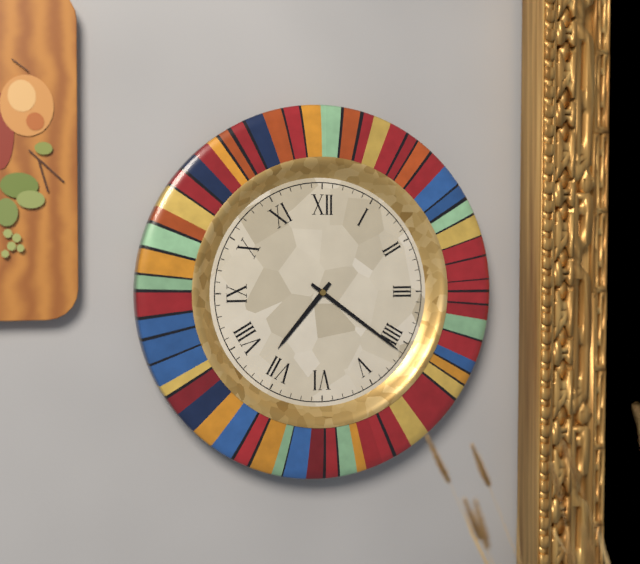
{"hour": 7, "minute": 21}
